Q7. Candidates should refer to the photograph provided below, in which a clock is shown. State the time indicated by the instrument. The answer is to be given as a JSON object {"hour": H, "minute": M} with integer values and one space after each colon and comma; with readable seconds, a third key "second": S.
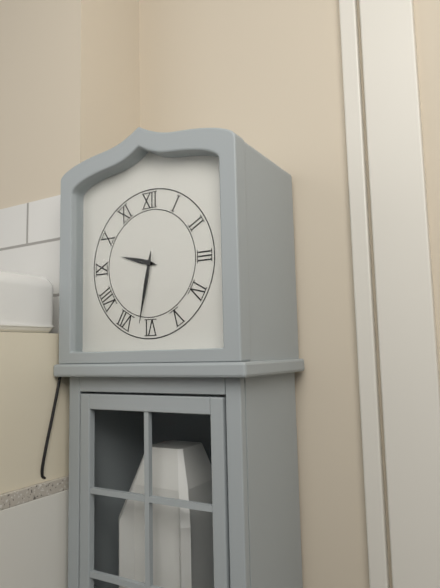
{"hour": 9, "minute": 32}
